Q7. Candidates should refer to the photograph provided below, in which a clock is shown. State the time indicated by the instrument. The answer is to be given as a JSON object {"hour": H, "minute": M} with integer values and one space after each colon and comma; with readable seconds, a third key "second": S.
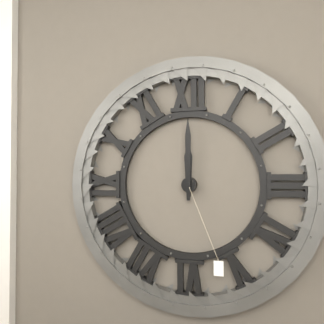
{"hour": 12, "minute": 0}
